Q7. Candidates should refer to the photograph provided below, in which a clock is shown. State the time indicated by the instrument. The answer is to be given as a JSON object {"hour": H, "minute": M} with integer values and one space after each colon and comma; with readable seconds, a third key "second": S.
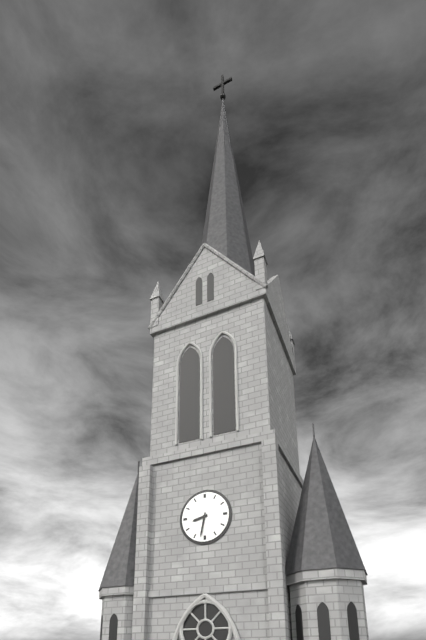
{"hour": 8, "minute": 32}
